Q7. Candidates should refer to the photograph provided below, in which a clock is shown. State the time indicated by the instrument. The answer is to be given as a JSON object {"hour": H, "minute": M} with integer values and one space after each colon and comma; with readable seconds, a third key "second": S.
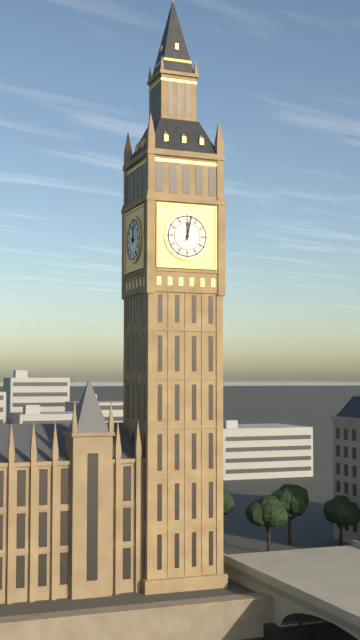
{"hour": 12, "minute": 2}
